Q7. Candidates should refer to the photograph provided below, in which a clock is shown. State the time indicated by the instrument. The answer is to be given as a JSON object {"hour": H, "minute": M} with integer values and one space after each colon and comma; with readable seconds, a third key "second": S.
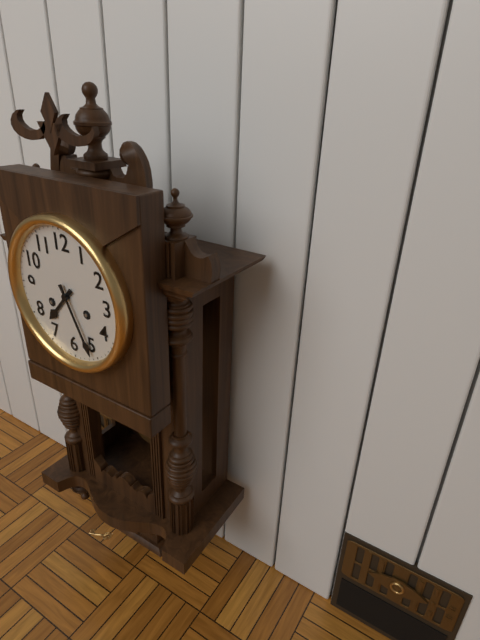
{"hour": 7, "minute": 26}
